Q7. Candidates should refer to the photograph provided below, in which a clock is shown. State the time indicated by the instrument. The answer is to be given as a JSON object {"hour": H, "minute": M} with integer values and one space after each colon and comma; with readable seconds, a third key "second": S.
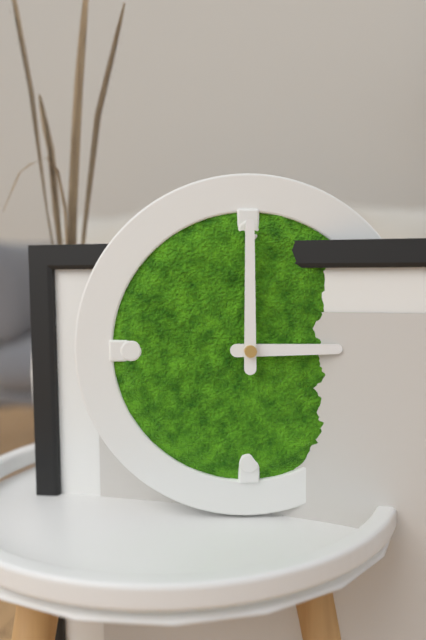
{"hour": 3, "minute": 0}
